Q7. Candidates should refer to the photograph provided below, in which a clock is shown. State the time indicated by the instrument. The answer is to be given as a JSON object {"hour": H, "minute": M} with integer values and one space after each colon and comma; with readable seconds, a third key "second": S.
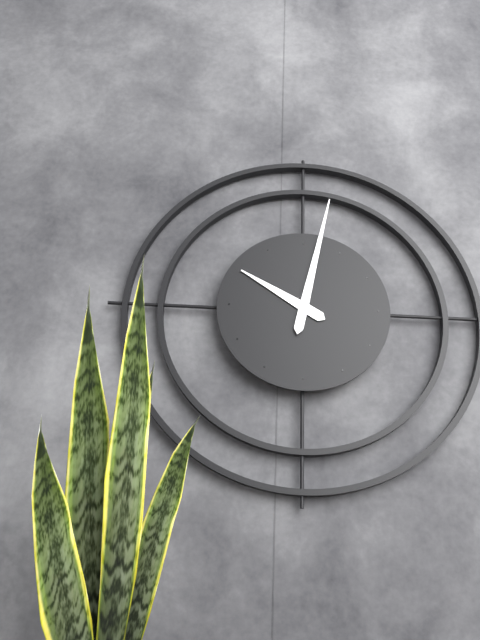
{"hour": 10, "minute": 2}
